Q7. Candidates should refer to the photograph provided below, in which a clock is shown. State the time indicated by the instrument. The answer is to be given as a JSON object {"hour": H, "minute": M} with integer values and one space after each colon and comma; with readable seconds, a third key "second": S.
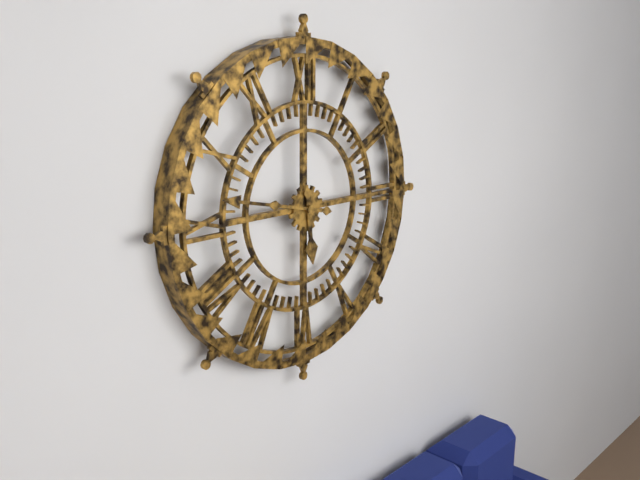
{"hour": 5, "minute": 47}
